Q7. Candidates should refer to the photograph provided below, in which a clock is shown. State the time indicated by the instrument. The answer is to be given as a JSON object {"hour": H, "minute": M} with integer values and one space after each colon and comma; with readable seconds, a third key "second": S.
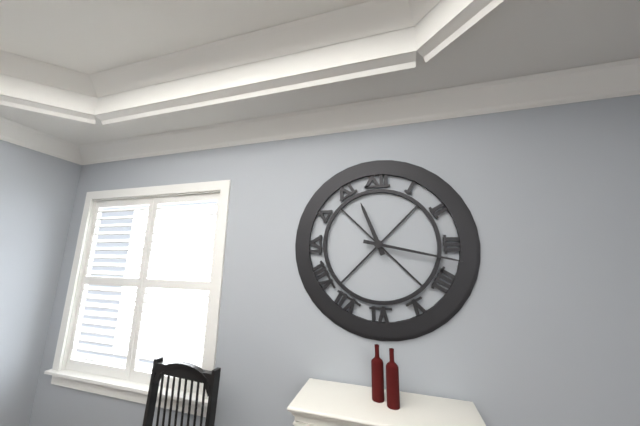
{"hour": 11, "minute": 17}
